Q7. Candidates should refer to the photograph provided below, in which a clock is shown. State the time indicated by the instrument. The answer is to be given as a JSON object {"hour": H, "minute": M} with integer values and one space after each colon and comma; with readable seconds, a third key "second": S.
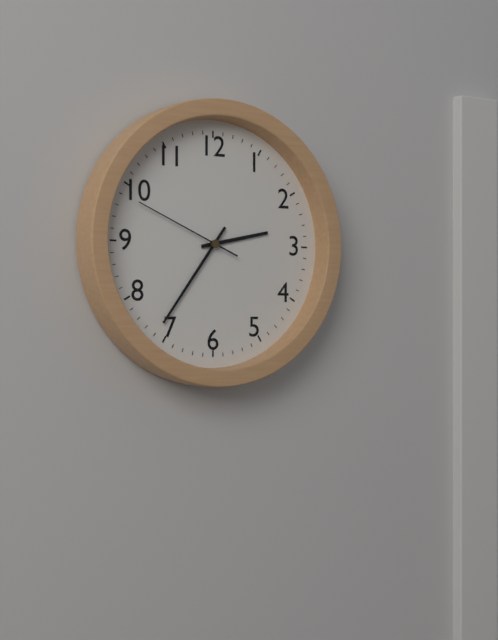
{"hour": 2, "minute": 36, "second": 49}
